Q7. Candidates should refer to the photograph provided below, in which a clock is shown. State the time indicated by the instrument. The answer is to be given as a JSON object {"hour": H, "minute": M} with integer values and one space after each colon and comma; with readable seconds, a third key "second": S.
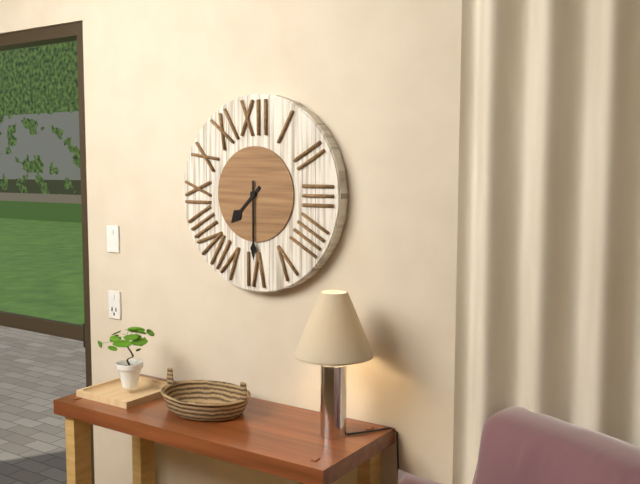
{"hour": 7, "minute": 30}
